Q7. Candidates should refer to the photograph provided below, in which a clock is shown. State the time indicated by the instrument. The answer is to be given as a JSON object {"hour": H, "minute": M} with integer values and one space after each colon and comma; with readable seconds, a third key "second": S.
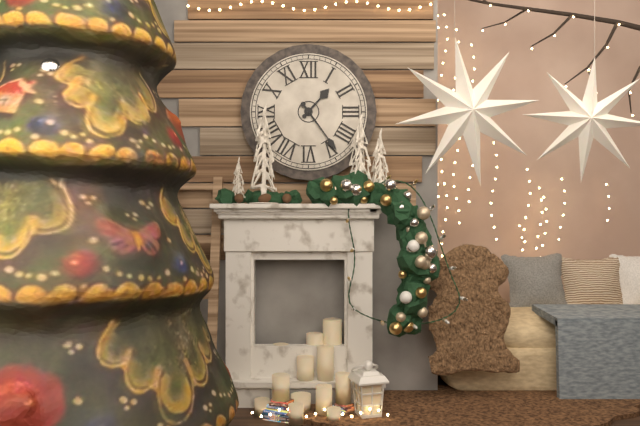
{"hour": 1, "minute": 24}
